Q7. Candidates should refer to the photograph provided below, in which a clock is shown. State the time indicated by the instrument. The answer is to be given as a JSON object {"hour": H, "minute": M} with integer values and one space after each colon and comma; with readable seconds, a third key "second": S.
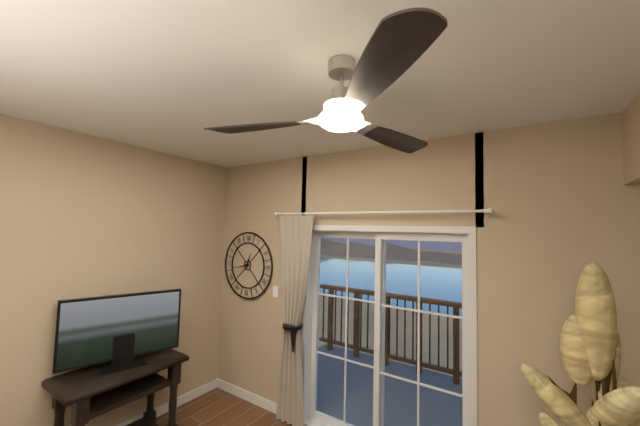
{"hour": 12, "minute": 43}
